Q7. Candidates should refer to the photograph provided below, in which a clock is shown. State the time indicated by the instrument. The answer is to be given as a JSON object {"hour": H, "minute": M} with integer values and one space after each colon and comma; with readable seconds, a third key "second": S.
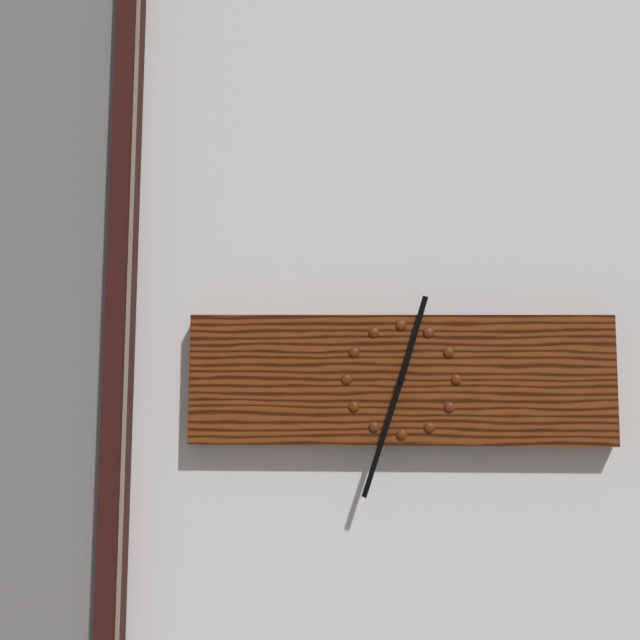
{"hour": 12, "minute": 33}
